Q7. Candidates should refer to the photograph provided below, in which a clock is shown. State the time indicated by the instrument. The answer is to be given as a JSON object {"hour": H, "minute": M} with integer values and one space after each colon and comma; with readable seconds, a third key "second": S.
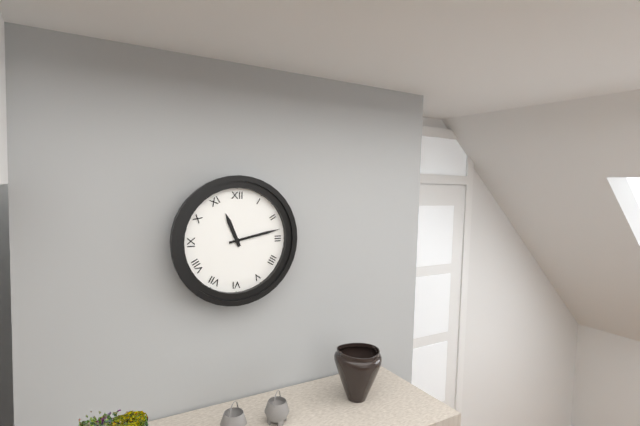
{"hour": 11, "minute": 13}
